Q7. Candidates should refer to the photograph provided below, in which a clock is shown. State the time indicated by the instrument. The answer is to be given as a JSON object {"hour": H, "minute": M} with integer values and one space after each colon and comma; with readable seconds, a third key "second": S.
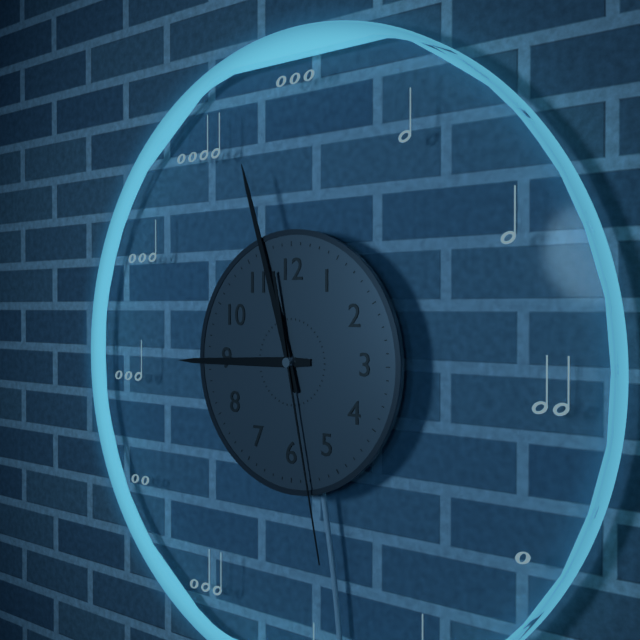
{"hour": 8, "minute": 57, "second": 28}
